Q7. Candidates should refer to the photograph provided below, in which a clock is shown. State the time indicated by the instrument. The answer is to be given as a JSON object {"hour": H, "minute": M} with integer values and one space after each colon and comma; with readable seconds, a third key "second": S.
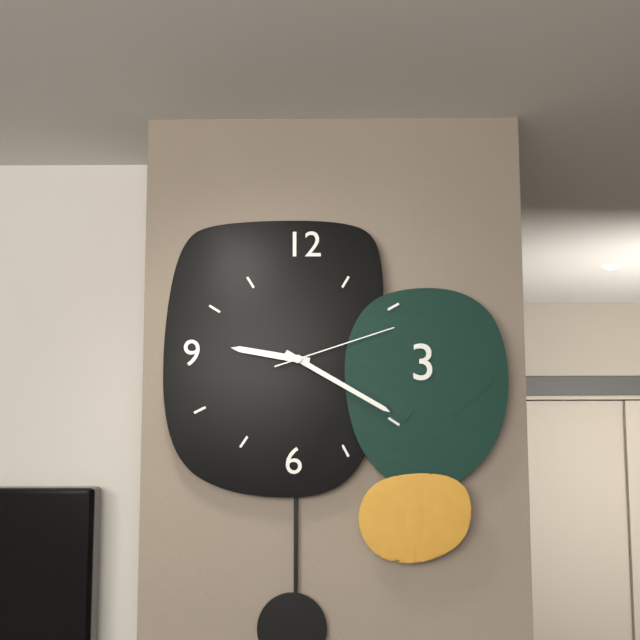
{"hour": 9, "minute": 20, "second": 12}
